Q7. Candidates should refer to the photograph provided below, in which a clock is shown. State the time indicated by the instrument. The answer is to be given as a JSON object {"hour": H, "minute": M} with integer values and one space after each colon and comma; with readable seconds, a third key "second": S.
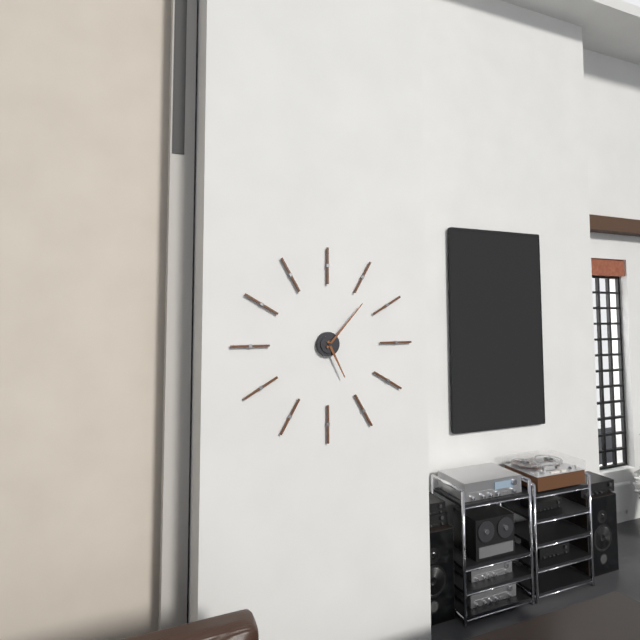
{"hour": 5, "minute": 7}
